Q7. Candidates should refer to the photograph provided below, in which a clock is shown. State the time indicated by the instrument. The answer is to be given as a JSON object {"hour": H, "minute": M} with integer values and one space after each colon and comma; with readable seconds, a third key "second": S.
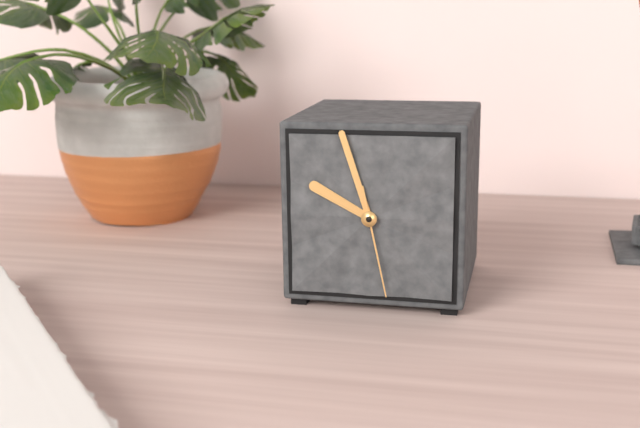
{"hour": 9, "minute": 57, "second": 28}
